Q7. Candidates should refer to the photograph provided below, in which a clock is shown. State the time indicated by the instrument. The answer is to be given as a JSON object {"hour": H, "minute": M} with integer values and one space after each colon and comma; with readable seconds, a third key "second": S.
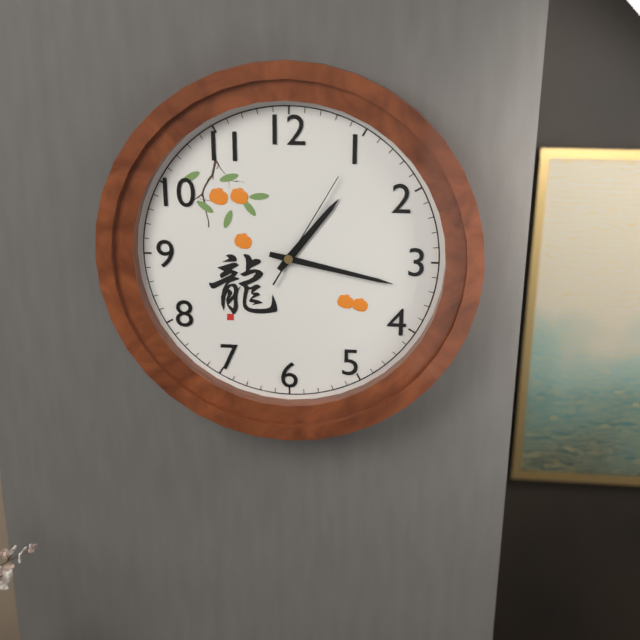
{"hour": 1, "minute": 17, "second": 5}
